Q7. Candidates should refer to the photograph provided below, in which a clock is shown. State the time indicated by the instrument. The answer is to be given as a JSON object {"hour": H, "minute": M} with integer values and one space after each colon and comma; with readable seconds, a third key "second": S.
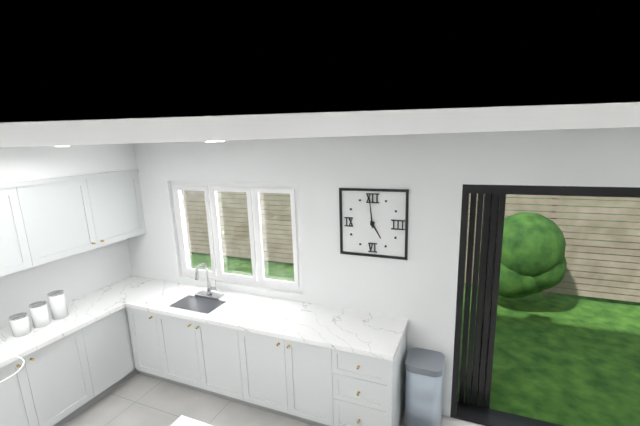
{"hour": 4, "minute": 59}
